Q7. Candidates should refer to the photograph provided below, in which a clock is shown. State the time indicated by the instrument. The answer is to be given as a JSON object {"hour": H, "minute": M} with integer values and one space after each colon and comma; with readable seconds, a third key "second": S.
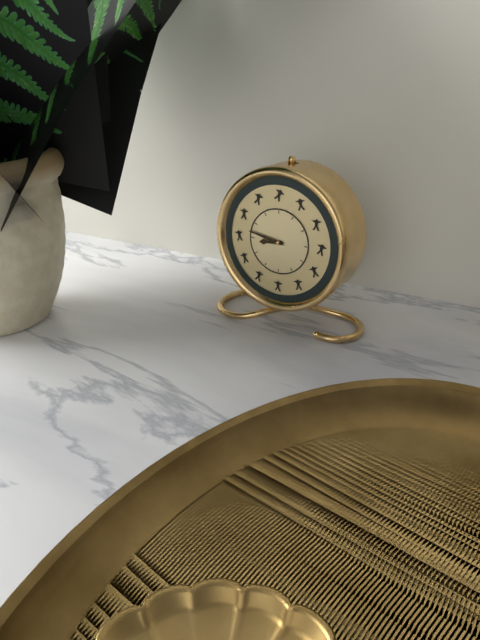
{"hour": 8, "minute": 47}
